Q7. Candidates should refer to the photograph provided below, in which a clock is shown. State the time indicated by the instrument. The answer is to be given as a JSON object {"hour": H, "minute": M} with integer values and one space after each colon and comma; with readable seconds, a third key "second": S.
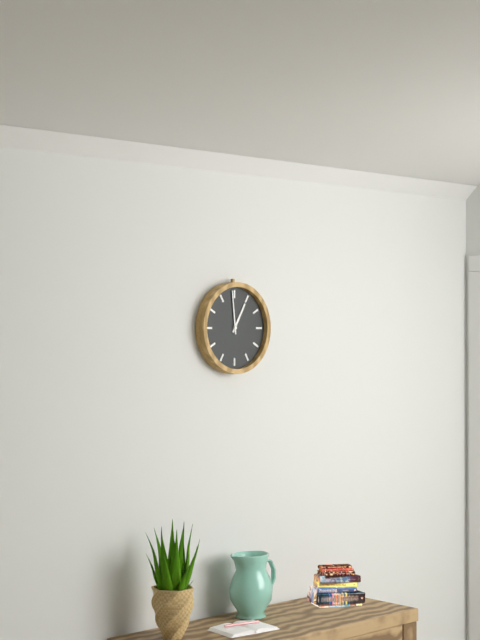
{"hour": 12, "minute": 59}
